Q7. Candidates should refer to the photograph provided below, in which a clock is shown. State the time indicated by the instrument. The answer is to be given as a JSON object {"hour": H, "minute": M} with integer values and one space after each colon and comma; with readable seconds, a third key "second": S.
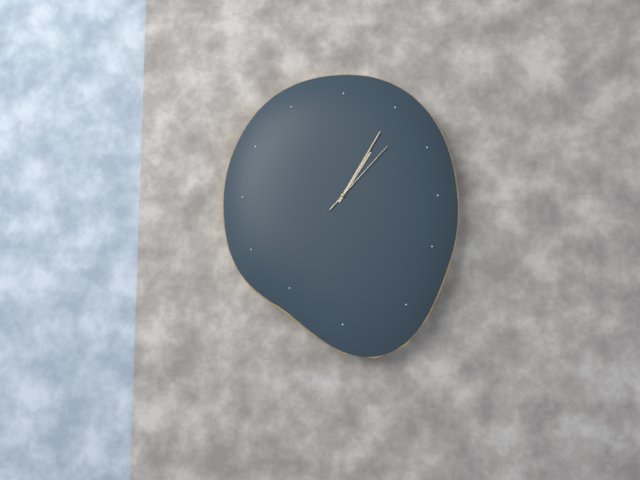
{"hour": 1, "minute": 5, "second": 7}
